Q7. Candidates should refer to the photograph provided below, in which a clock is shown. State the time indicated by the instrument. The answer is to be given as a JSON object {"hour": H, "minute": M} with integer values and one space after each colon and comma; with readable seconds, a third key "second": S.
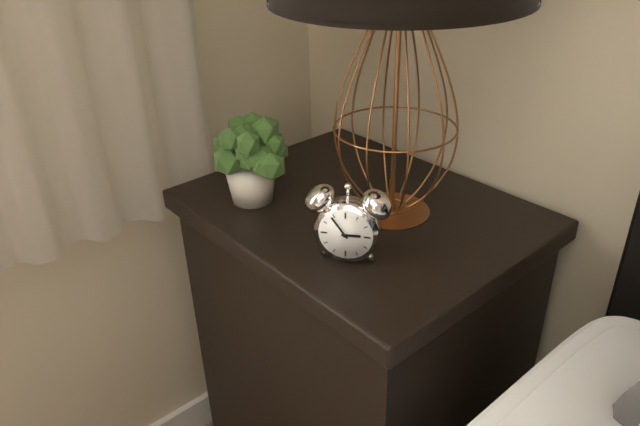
{"hour": 2, "minute": 54}
